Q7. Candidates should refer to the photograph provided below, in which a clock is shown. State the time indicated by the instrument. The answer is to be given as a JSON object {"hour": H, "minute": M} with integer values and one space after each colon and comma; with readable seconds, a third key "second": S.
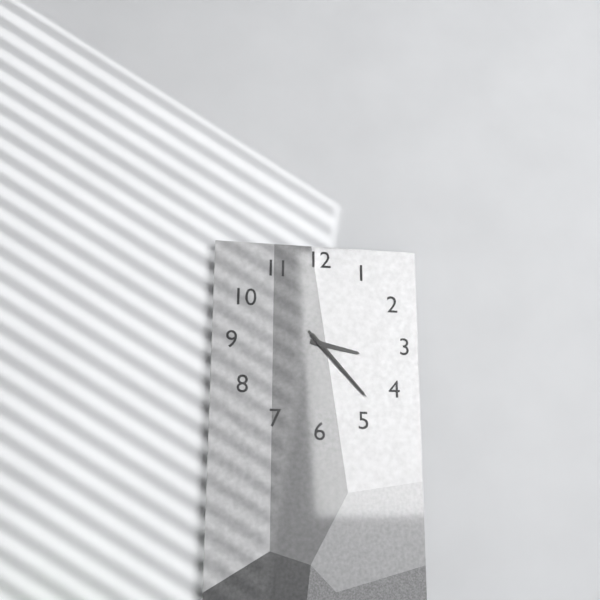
{"hour": 3, "minute": 23, "second": 23}
